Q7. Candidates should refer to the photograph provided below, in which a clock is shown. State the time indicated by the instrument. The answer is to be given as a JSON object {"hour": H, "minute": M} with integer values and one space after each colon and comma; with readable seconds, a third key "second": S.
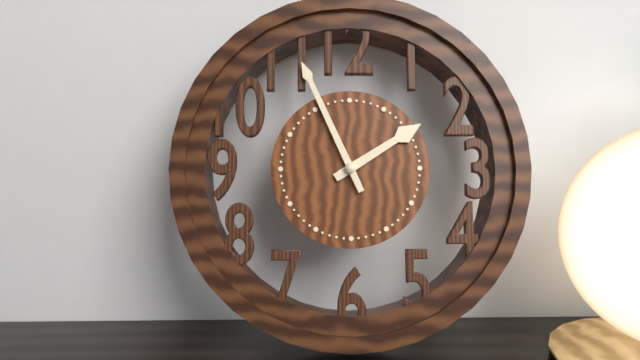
{"hour": 1, "minute": 56}
